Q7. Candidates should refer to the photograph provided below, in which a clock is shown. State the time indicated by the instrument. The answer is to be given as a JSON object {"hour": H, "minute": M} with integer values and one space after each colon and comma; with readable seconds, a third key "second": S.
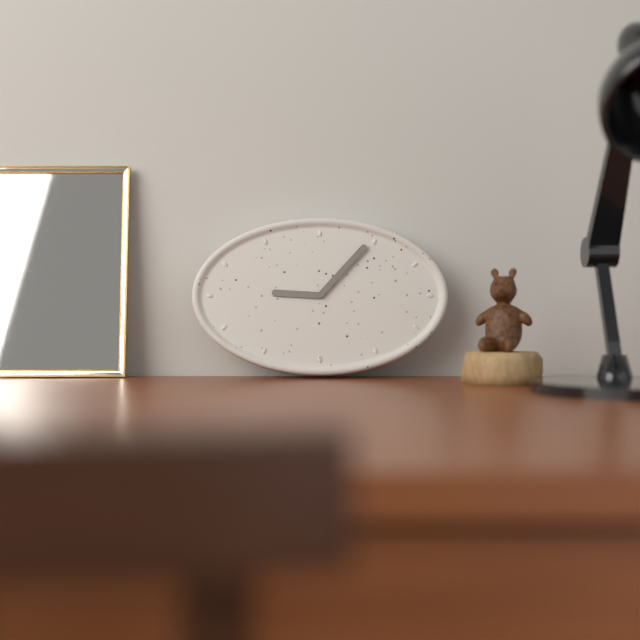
{"hour": 9, "minute": 7}
